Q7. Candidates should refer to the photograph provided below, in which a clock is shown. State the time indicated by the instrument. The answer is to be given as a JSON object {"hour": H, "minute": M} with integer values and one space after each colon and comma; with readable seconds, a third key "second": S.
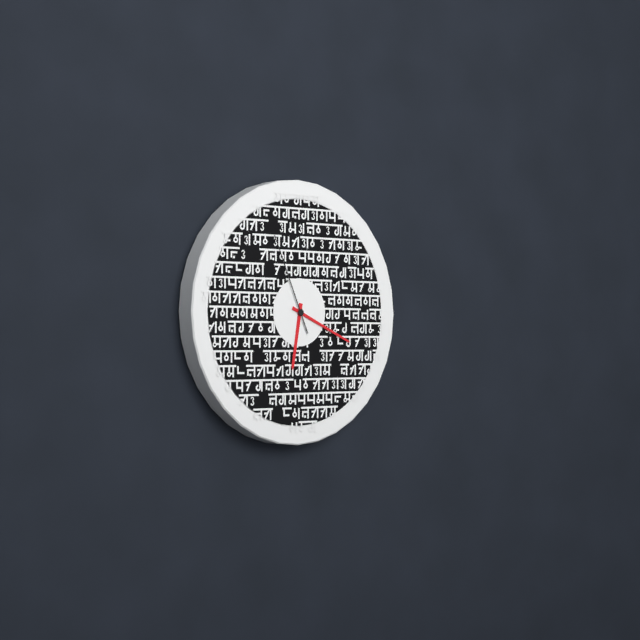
{"hour": 6, "minute": 19, "second": 56}
